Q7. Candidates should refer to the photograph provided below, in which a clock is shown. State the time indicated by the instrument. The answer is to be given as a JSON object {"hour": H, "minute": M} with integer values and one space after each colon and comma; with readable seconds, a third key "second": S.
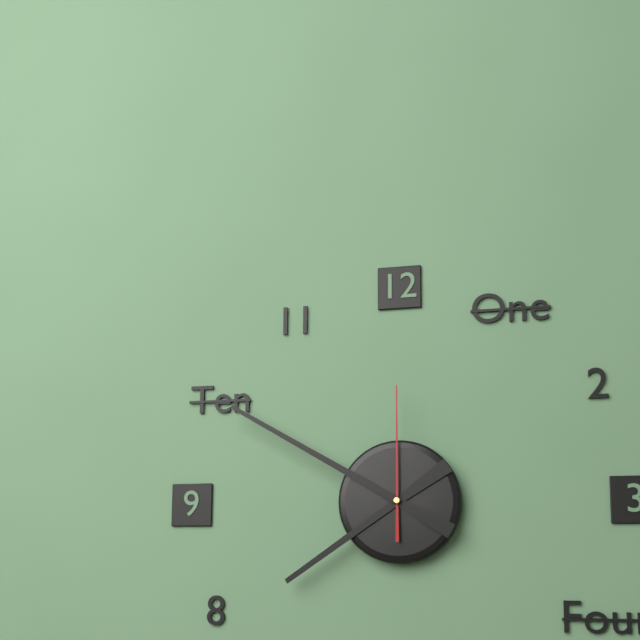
{"hour": 7, "minute": 50, "second": 0}
